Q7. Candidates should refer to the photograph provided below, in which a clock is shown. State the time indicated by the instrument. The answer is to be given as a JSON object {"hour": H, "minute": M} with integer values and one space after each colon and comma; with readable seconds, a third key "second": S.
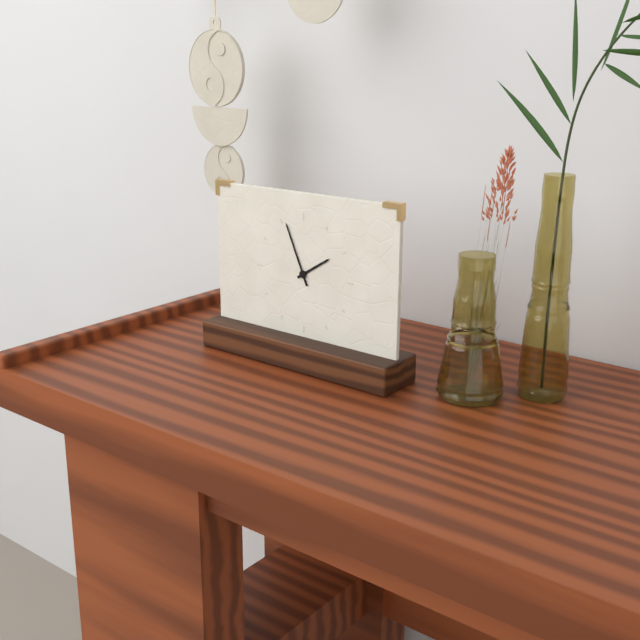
{"hour": 1, "minute": 56}
